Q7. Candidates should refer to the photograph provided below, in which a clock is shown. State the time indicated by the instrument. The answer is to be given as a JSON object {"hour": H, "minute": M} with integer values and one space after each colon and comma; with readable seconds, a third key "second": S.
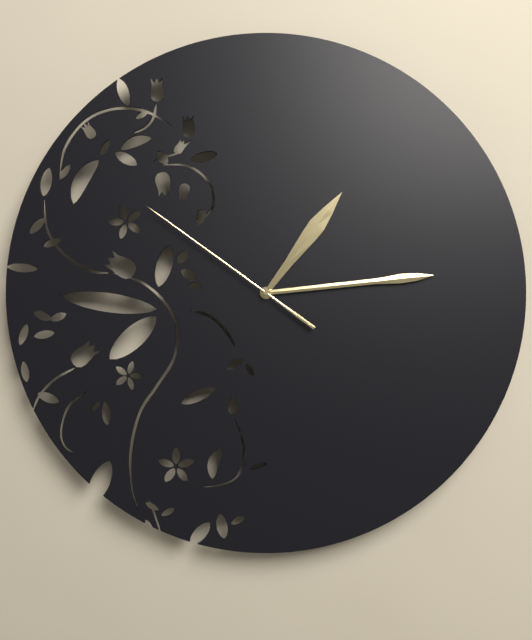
{"hour": 1, "minute": 14, "second": 51}
